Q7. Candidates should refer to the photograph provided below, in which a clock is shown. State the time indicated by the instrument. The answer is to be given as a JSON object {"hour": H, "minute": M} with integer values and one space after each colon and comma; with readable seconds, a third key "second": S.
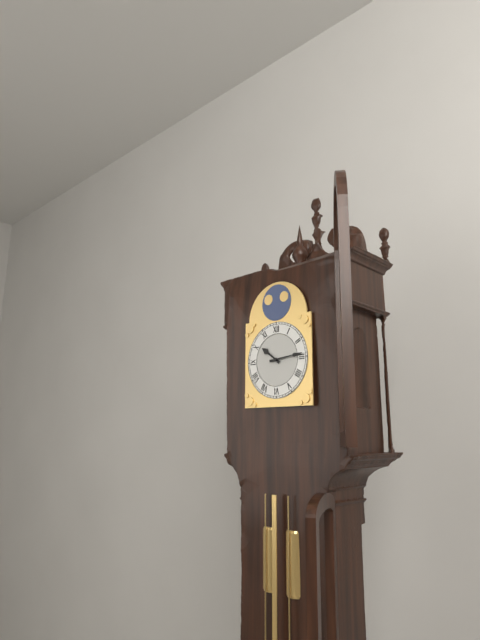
{"hour": 10, "minute": 14}
